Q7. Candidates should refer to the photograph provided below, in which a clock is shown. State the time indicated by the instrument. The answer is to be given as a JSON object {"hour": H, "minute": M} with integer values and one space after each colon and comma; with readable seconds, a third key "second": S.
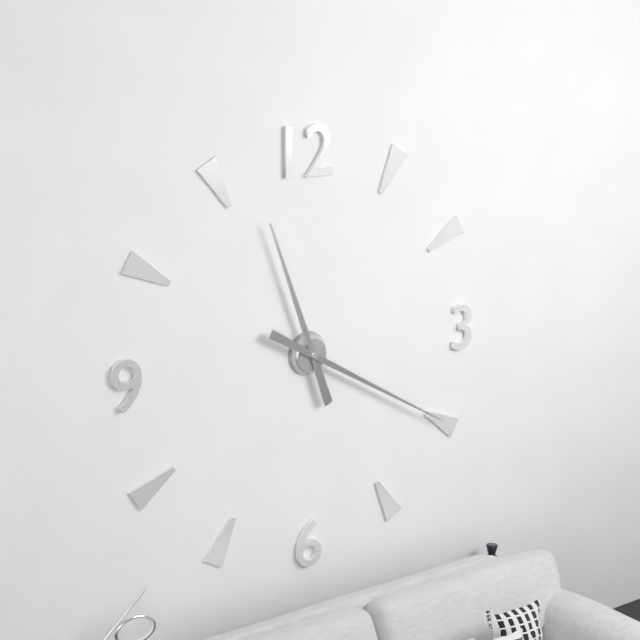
{"hour": 11, "minute": 20}
